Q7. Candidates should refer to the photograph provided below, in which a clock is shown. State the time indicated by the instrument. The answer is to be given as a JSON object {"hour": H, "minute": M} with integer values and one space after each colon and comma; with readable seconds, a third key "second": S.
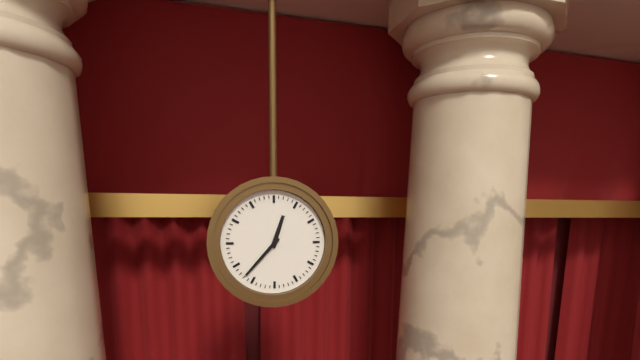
{"hour": 12, "minute": 37}
